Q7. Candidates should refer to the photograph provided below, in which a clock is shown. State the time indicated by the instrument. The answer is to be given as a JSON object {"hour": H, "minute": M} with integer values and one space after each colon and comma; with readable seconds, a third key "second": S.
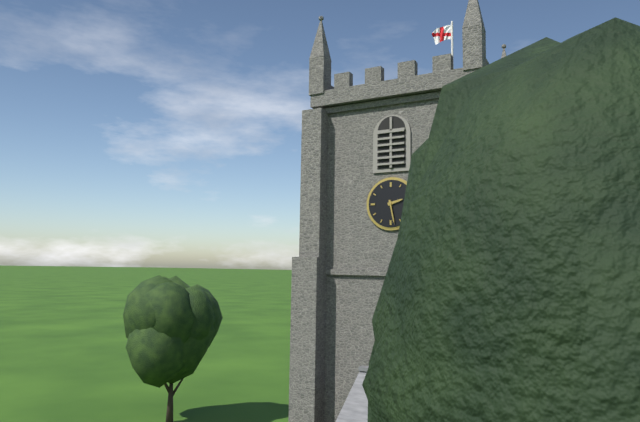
{"hour": 2, "minute": 28}
